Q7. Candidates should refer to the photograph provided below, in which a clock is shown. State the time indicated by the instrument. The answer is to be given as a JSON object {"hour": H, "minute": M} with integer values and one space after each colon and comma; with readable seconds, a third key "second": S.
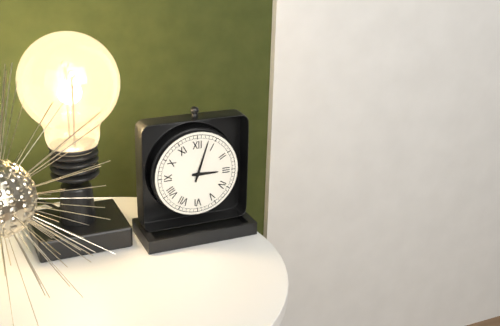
{"hour": 3, "minute": 3}
